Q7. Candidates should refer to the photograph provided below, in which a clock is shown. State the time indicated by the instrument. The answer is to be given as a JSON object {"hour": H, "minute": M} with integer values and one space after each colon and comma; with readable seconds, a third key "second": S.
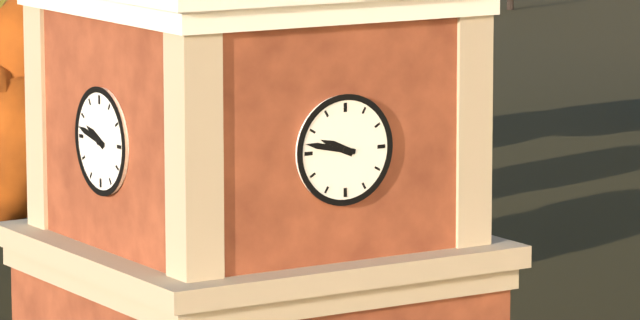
{"hour": 9, "minute": 47}
